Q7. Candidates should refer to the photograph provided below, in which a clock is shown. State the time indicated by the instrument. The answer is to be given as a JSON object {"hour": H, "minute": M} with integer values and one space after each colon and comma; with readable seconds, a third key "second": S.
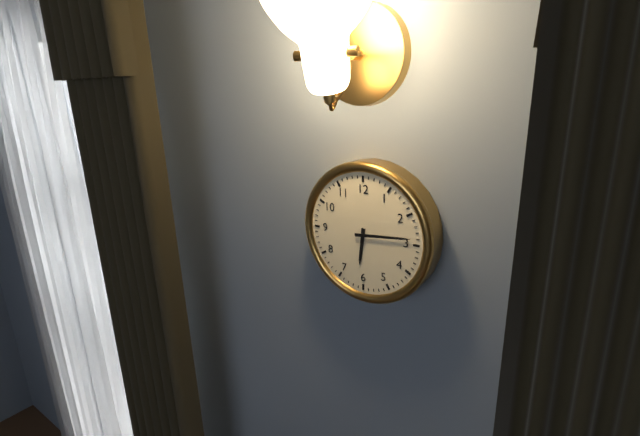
{"hour": 6, "minute": 14}
